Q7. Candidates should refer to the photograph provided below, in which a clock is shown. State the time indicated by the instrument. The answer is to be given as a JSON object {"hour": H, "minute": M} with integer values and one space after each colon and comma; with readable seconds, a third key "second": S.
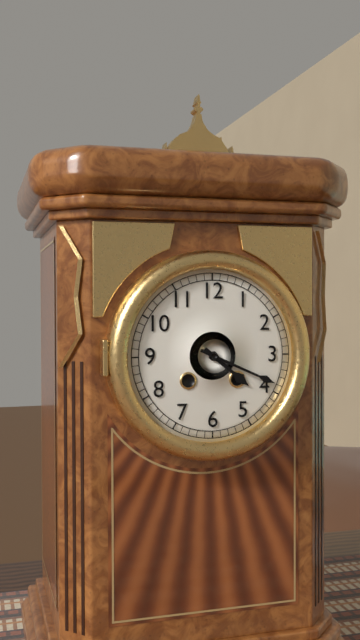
{"hour": 4, "minute": 19}
